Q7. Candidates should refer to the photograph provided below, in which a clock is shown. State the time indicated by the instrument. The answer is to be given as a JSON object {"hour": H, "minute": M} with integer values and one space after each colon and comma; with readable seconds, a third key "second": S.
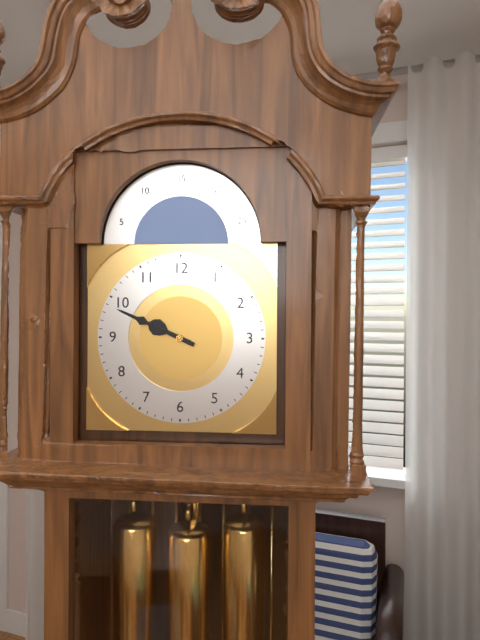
{"hour": 9, "minute": 49}
